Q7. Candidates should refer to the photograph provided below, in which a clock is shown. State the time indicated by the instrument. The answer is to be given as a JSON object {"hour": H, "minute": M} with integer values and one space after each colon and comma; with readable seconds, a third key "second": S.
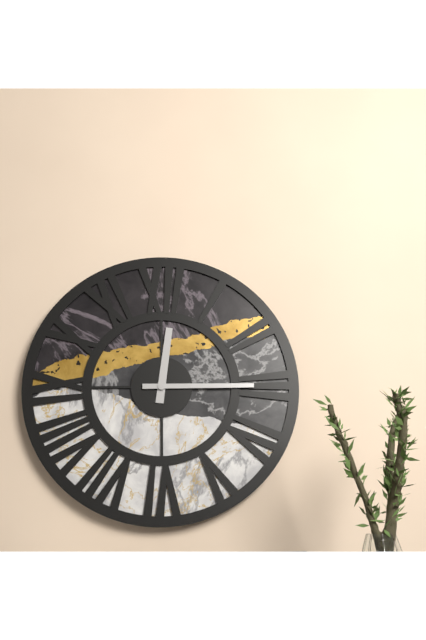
{"hour": 12, "minute": 15}
